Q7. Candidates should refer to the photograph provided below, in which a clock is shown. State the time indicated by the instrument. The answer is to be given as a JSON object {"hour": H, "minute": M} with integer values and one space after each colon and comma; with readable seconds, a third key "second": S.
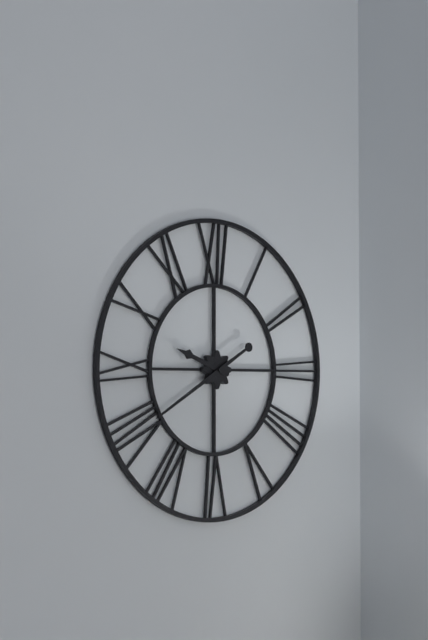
{"hour": 9, "minute": 40}
